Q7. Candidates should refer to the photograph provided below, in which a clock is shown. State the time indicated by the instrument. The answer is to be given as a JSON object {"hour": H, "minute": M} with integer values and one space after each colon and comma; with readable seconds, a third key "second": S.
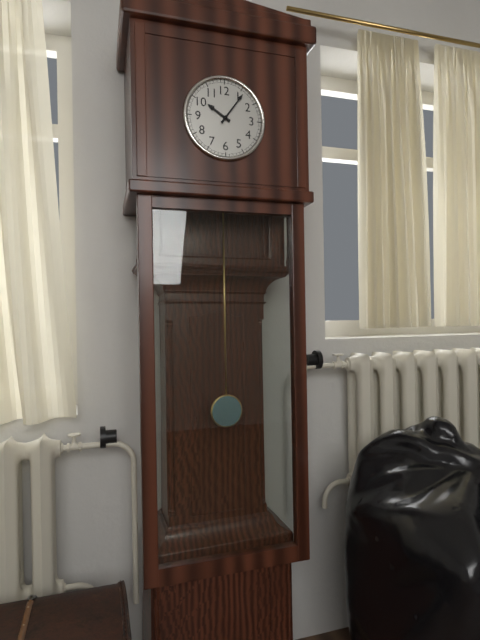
{"hour": 10, "minute": 6}
